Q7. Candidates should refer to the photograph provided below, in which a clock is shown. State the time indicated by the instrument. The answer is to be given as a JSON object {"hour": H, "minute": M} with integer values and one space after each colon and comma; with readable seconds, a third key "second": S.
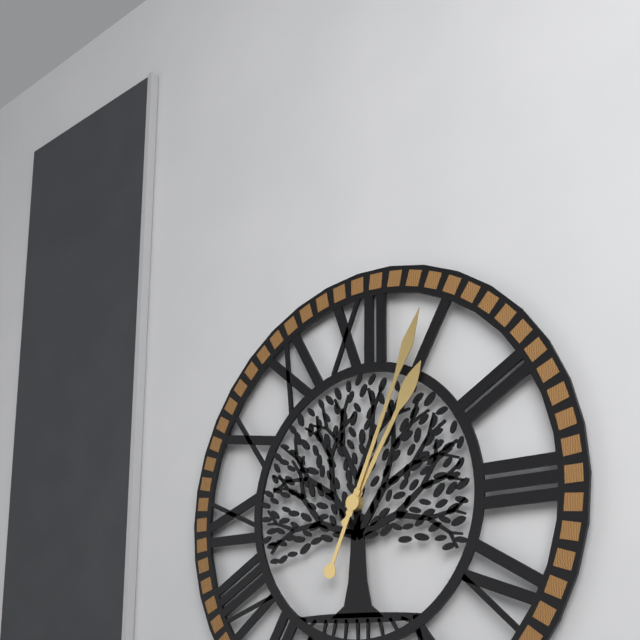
{"hour": 1, "minute": 4}
